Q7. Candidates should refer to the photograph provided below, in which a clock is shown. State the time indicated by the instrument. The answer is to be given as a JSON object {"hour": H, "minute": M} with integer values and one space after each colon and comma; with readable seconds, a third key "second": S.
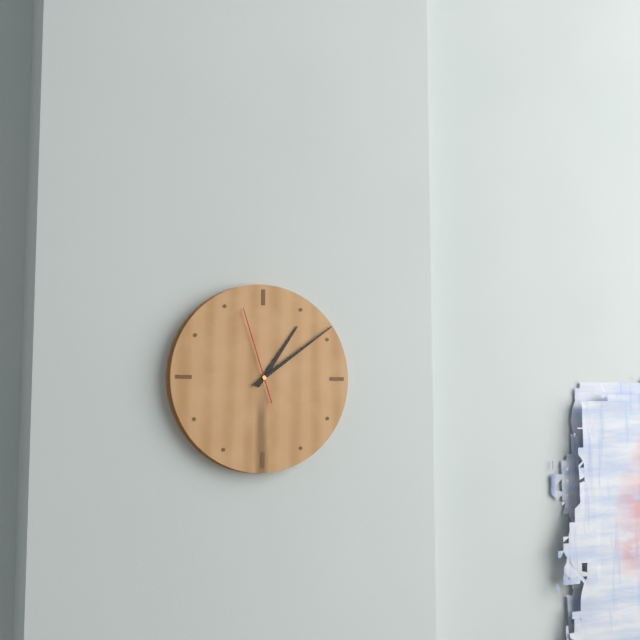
{"hour": 1, "minute": 9, "second": 57}
